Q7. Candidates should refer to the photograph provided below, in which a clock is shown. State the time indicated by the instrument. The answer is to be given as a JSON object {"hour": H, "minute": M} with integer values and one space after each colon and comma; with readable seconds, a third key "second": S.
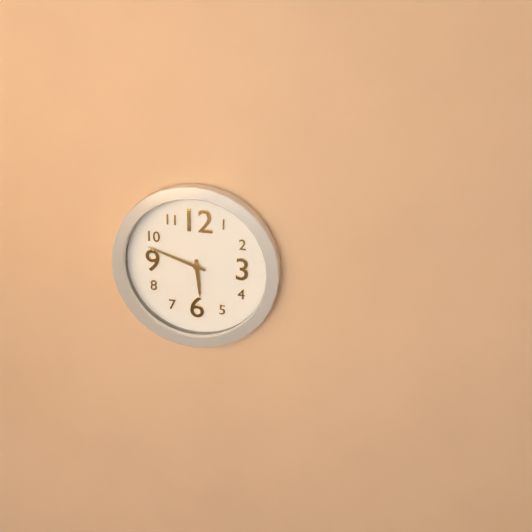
{"hour": 5, "minute": 48}
